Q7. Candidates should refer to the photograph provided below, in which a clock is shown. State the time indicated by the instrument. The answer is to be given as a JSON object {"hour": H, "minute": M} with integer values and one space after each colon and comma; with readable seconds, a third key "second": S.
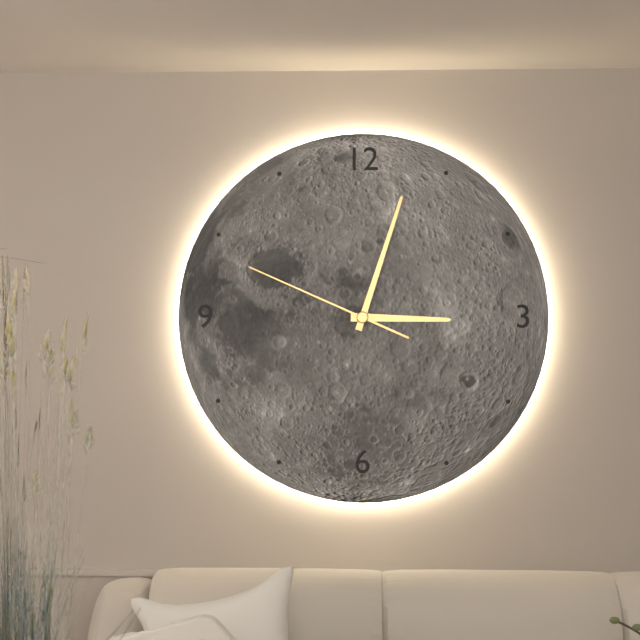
{"hour": 3, "minute": 3, "second": 49}
